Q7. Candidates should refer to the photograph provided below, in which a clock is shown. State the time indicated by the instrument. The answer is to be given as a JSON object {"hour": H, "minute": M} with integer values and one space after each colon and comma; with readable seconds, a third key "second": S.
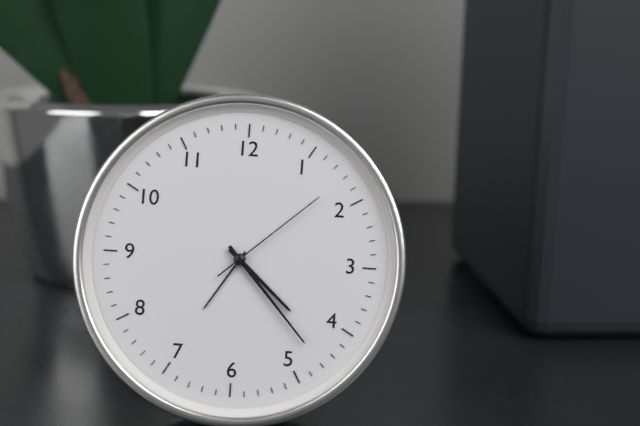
{"hour": 4, "minute": 23, "second": 8}
